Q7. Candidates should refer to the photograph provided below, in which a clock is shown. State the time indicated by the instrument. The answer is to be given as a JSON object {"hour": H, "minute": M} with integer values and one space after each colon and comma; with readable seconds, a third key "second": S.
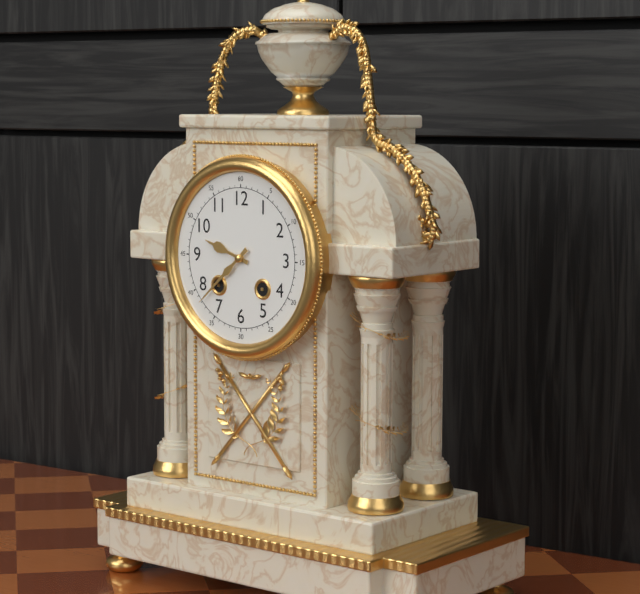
{"hour": 9, "minute": 38}
